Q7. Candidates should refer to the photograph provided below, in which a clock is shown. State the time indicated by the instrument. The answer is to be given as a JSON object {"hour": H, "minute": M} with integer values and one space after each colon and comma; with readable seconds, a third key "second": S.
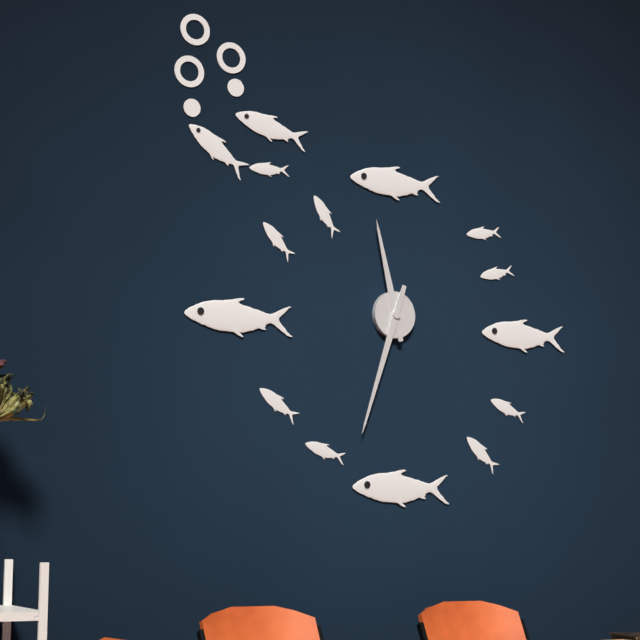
{"hour": 11, "minute": 33}
